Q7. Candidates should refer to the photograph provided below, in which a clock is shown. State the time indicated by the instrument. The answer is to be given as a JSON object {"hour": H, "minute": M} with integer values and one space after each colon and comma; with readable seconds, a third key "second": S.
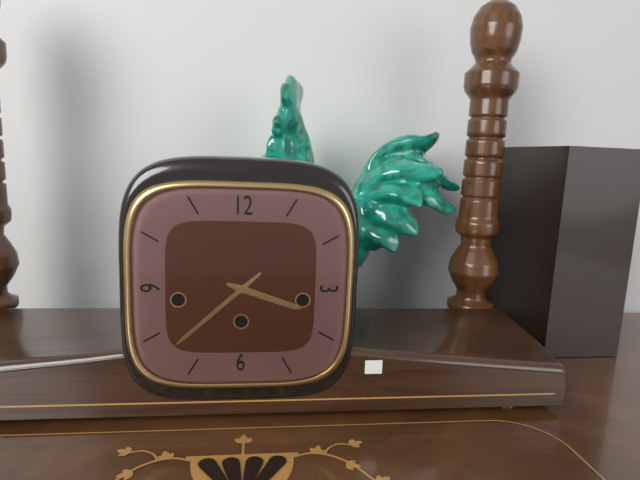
{"hour": 3, "minute": 38}
